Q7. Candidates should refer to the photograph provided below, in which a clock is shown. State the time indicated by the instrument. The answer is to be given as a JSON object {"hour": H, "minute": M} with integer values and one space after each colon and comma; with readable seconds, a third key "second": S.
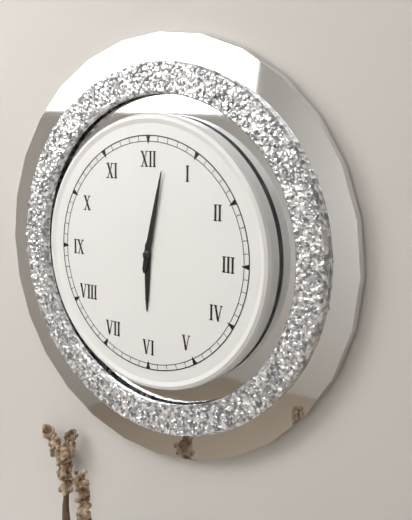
{"hour": 6, "minute": 2}
